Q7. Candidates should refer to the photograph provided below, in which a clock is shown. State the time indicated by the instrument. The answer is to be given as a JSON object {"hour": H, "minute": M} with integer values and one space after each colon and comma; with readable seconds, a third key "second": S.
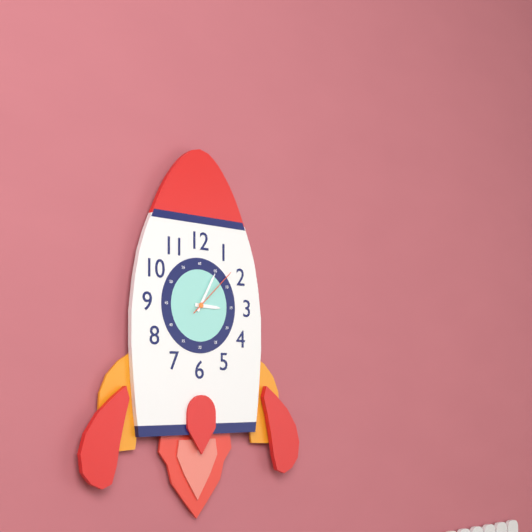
{"hour": 3, "minute": 5, "second": 8}
